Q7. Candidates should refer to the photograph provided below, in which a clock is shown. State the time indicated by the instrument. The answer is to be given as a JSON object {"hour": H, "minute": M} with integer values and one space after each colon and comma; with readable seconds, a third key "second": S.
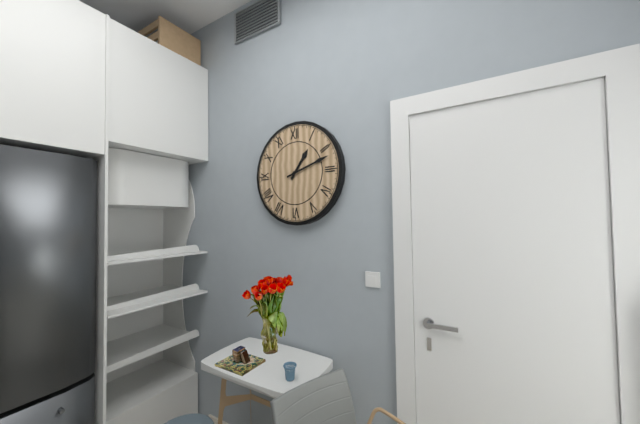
{"hour": 1, "minute": 12}
